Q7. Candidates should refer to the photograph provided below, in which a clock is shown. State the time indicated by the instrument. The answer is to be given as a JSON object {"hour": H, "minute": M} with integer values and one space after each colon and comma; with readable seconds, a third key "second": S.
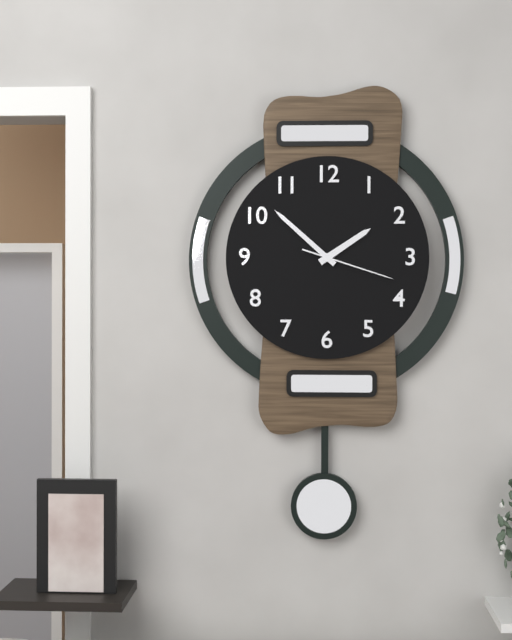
{"hour": 1, "minute": 52, "second": 18}
